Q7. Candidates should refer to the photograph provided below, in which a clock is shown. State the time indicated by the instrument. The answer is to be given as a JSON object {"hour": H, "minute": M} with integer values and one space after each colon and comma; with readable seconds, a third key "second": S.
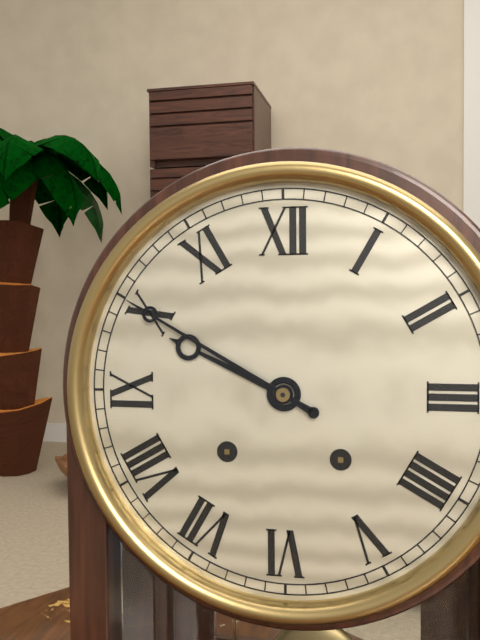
{"hour": 9, "minute": 50}
